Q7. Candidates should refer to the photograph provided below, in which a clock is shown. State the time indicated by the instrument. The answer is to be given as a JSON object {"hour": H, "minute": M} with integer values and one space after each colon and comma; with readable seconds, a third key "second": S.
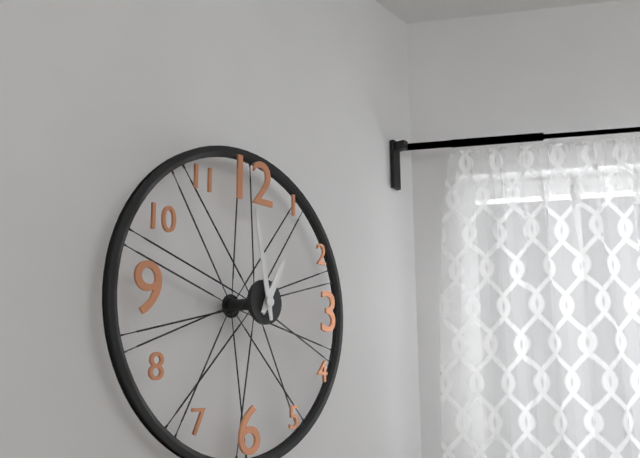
{"hour": 12, "minute": 58}
